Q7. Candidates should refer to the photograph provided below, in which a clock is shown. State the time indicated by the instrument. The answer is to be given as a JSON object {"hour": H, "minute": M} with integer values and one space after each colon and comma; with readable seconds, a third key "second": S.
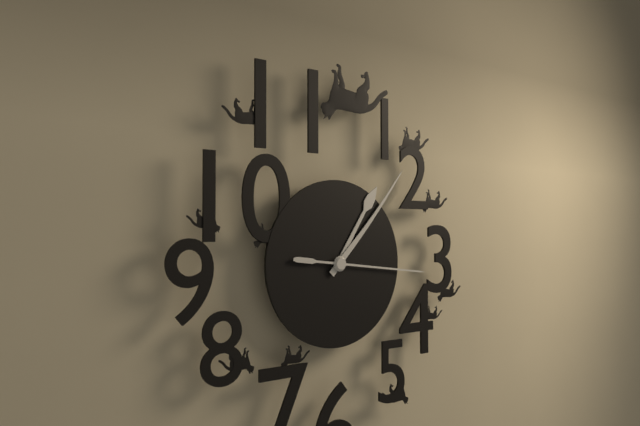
{"hour": 1, "minute": 7, "second": 16}
